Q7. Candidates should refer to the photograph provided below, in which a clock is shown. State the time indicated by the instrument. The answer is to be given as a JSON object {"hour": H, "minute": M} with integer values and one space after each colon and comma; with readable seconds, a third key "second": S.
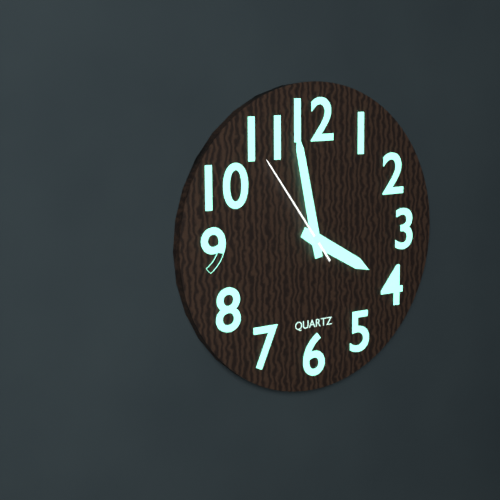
{"hour": 3, "minute": 58, "second": 54}
